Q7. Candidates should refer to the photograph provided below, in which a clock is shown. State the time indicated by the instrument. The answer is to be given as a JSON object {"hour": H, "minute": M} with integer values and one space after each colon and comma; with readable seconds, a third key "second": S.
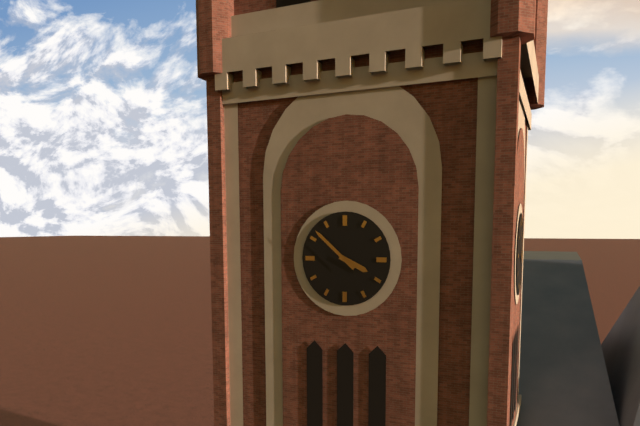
{"hour": 3, "minute": 52}
